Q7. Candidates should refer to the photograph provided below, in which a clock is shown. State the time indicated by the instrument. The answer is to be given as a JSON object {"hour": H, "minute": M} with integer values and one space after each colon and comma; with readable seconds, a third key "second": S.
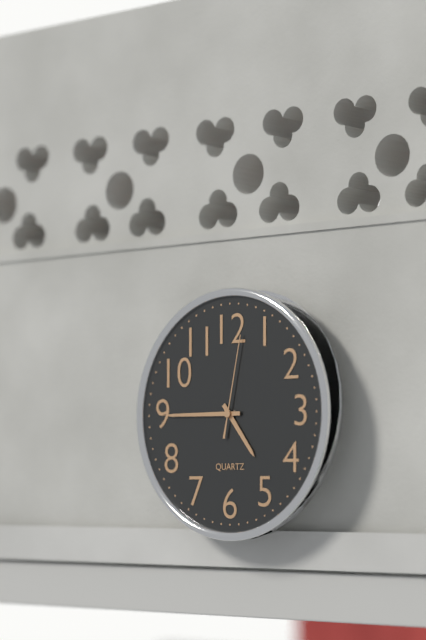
{"hour": 4, "minute": 45, "second": 2}
